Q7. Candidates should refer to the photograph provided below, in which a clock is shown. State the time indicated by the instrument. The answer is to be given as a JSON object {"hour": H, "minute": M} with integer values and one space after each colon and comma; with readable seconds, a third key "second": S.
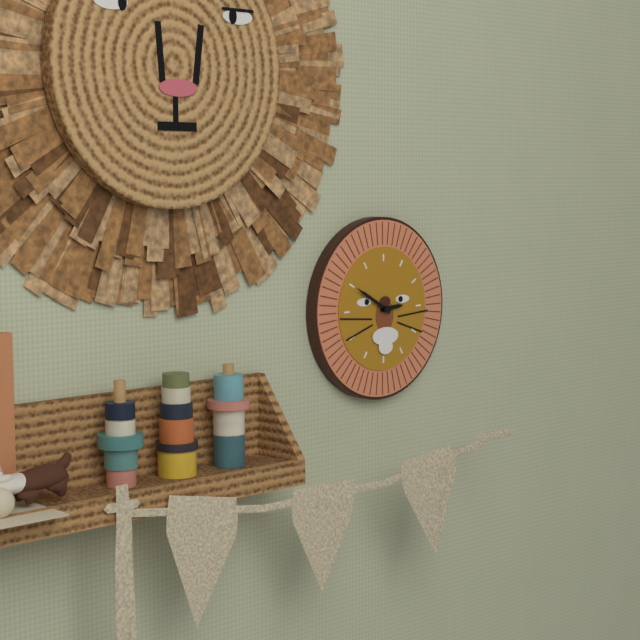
{"hour": 2, "minute": 50}
